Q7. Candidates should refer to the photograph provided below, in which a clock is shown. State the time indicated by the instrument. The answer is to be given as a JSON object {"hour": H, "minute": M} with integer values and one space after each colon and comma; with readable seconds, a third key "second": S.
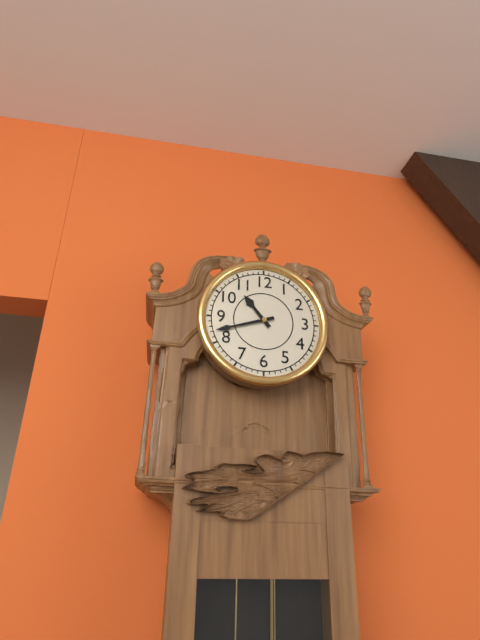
{"hour": 10, "minute": 42}
